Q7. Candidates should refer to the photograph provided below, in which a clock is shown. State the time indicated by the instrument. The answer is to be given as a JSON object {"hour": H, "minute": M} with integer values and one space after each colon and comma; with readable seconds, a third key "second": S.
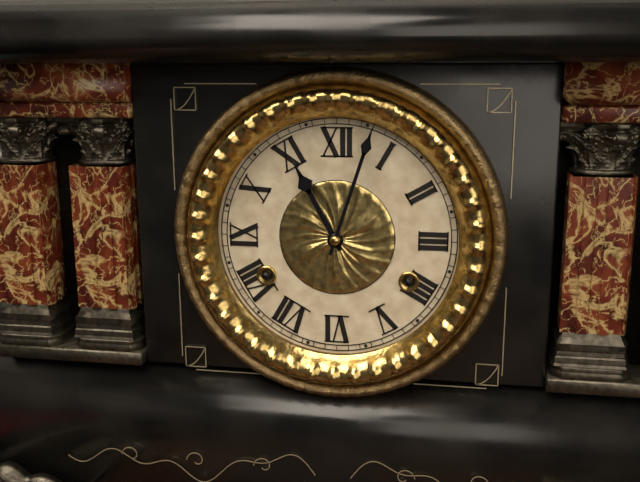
{"hour": 11, "minute": 3}
